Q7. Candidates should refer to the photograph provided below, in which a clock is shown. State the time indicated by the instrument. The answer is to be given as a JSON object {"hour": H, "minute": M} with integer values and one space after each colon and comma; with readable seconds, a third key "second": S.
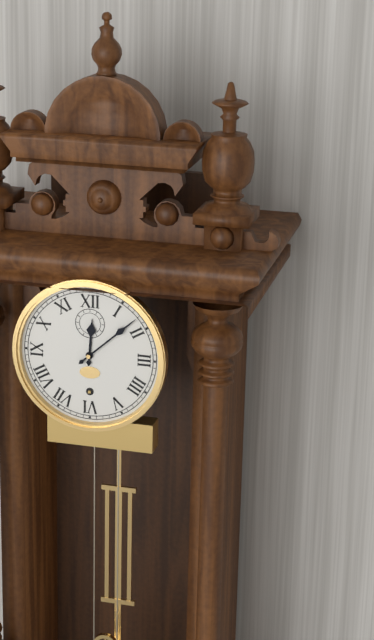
{"hour": 12, "minute": 8}
